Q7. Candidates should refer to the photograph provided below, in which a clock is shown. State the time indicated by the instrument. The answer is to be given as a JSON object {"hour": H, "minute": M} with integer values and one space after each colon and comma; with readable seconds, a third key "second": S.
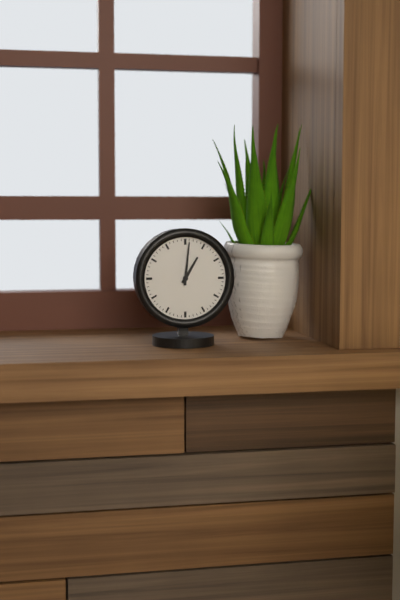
{"hour": 1, "minute": 1}
